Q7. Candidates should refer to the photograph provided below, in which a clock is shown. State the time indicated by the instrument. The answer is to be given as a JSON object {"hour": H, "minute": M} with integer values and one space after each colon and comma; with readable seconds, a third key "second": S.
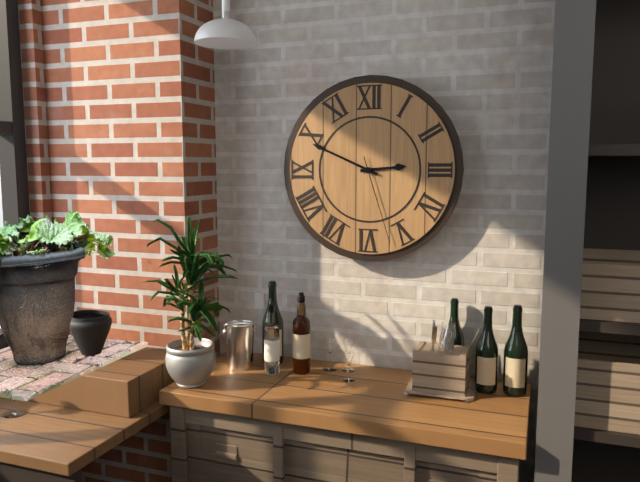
{"hour": 2, "minute": 49, "second": 27}
